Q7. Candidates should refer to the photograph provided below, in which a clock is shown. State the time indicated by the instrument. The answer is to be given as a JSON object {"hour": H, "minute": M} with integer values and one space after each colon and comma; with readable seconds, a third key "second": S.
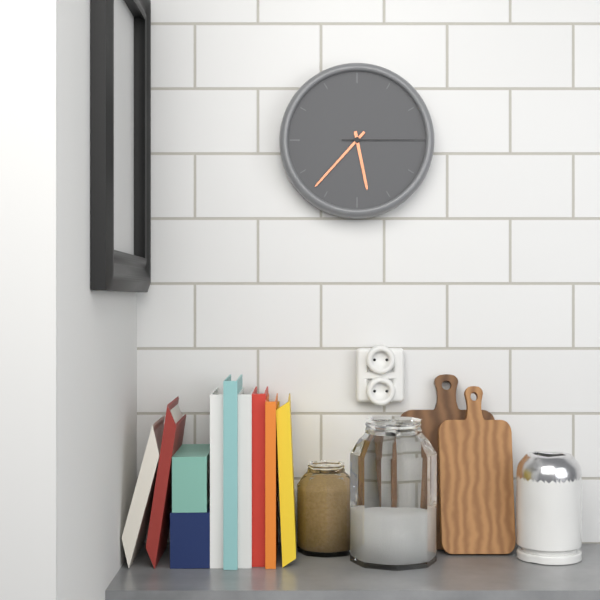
{"hour": 5, "minute": 37, "second": 15}
